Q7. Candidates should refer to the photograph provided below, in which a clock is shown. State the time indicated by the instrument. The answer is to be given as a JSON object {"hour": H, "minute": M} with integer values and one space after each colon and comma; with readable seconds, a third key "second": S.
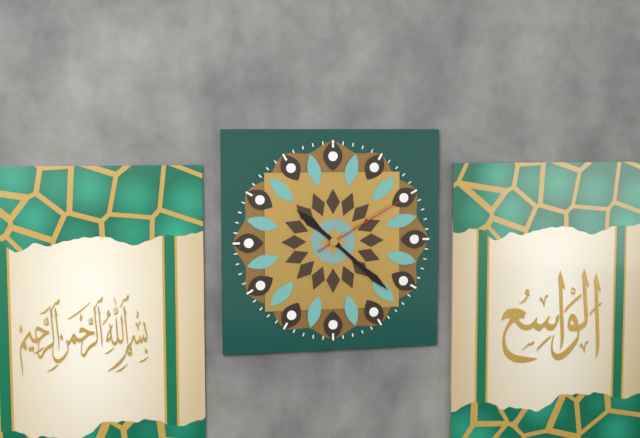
{"hour": 10, "minute": 22, "second": 10}
